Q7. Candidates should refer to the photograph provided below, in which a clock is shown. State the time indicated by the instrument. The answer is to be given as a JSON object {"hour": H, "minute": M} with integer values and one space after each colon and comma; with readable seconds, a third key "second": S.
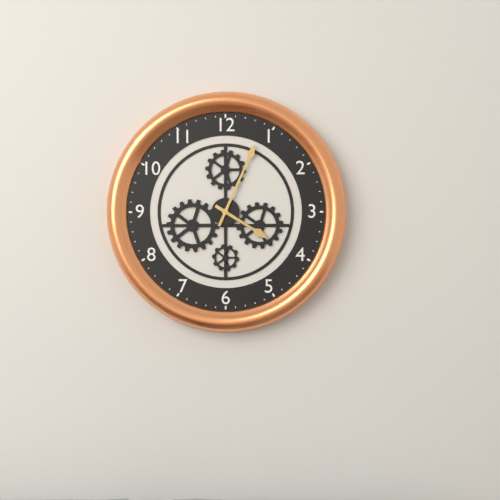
{"hour": 4, "minute": 4}
